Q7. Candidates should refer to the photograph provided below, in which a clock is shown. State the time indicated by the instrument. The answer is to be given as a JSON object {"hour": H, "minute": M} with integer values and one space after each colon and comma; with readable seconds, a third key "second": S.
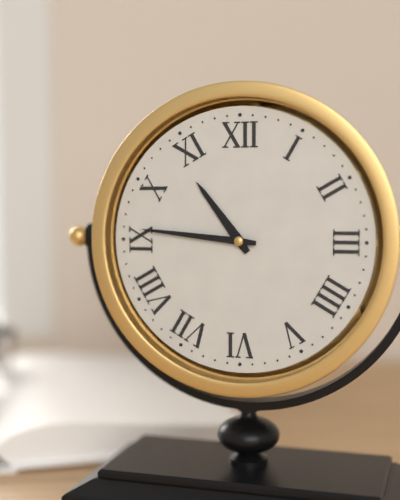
{"hour": 10, "minute": 46}
